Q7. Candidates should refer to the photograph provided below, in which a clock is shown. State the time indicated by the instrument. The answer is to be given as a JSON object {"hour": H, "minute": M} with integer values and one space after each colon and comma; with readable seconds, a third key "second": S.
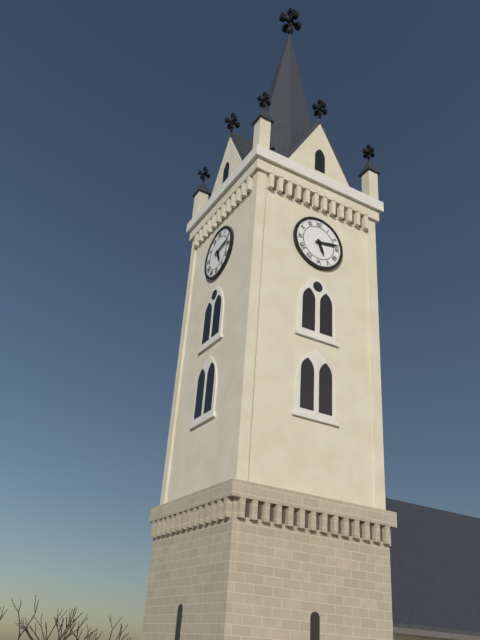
{"hour": 5, "minute": 13}
